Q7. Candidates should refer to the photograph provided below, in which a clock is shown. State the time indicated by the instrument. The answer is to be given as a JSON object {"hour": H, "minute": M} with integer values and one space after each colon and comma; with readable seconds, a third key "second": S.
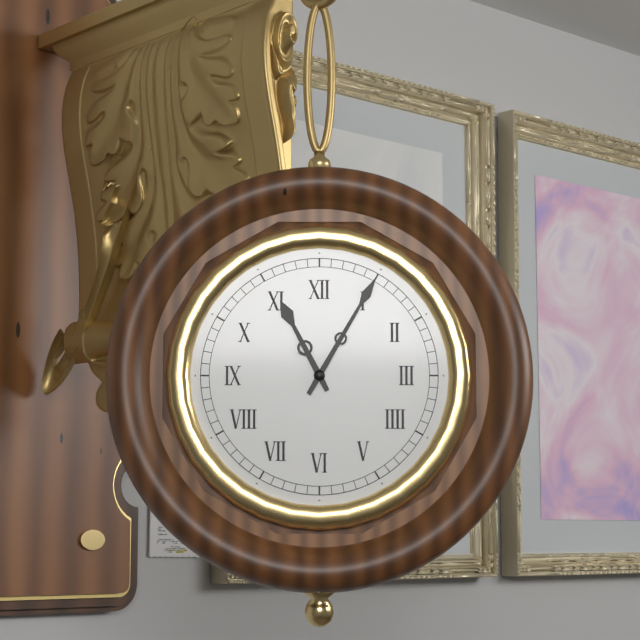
{"hour": 11, "minute": 5}
